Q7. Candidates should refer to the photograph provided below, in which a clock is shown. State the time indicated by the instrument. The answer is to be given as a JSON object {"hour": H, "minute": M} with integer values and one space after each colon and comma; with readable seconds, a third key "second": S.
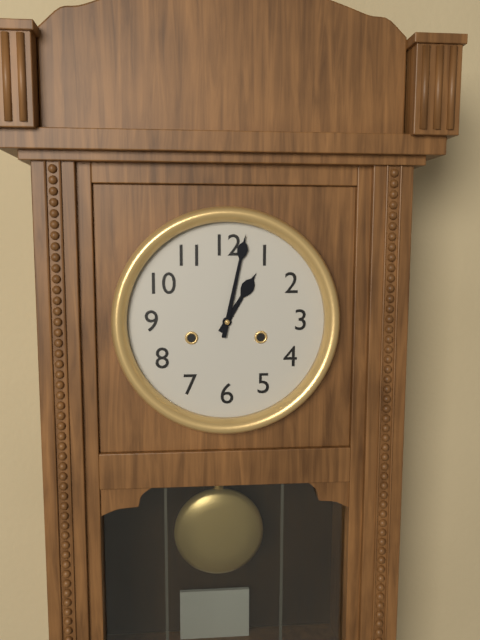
{"hour": 1, "minute": 2}
